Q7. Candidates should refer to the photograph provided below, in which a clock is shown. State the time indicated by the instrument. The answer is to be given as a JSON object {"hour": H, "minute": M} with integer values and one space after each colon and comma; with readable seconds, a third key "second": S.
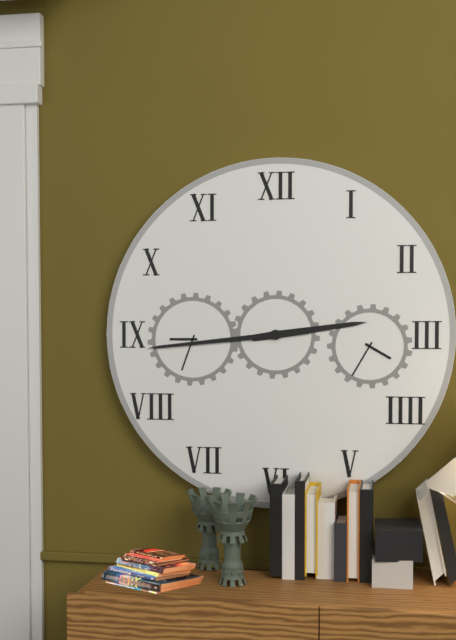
{"hour": 2, "minute": 44}
